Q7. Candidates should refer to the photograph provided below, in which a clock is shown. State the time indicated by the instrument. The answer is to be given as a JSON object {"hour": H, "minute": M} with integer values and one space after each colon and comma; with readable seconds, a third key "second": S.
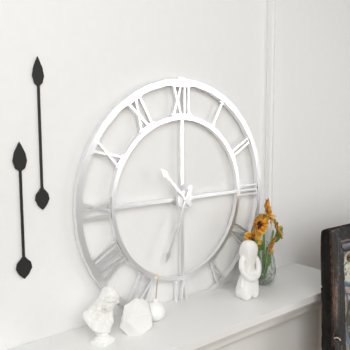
{"hour": 10, "minute": 34}
